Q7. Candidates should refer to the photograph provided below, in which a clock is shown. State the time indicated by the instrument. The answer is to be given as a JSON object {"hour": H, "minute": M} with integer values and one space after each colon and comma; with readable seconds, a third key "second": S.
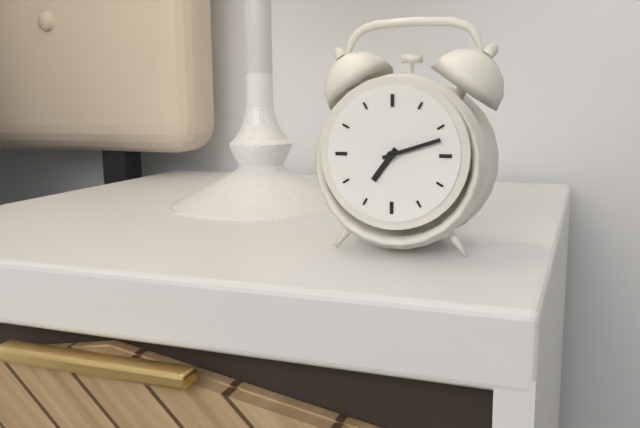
{"hour": 7, "minute": 12}
